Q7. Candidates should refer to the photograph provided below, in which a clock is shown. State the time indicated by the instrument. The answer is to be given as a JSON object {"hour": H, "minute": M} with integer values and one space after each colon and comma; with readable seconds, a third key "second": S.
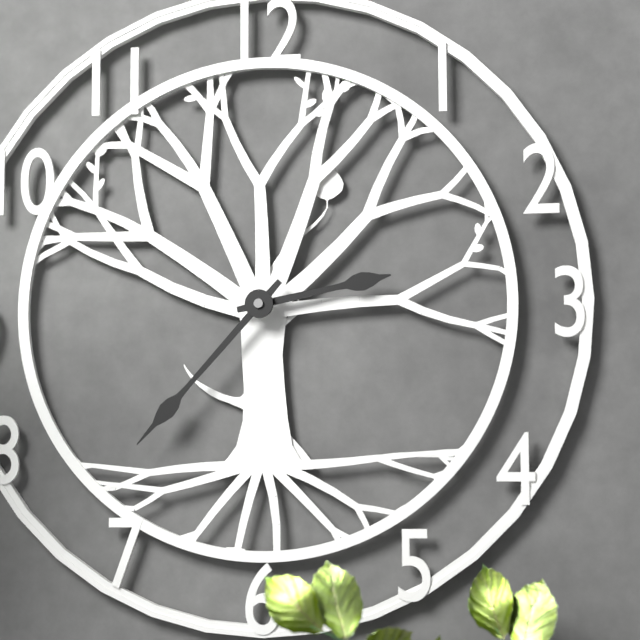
{"hour": 2, "minute": 37}
